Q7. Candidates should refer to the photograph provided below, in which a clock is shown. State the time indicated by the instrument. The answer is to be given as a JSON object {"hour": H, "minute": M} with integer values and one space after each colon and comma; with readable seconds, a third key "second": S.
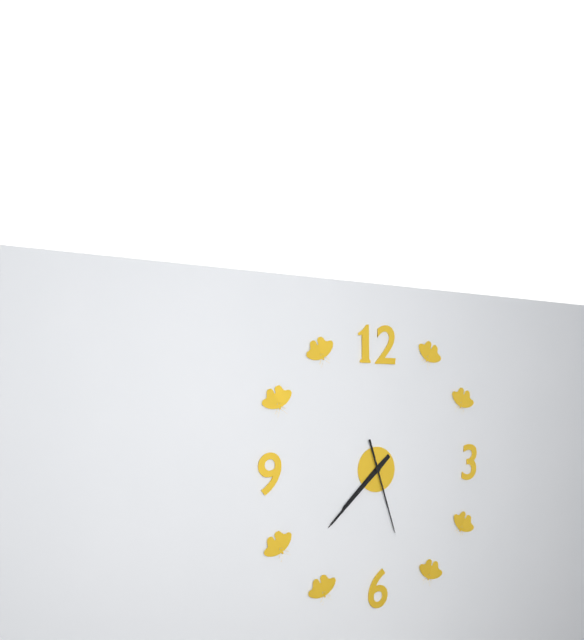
{"hour": 7, "minute": 38, "second": 27}
